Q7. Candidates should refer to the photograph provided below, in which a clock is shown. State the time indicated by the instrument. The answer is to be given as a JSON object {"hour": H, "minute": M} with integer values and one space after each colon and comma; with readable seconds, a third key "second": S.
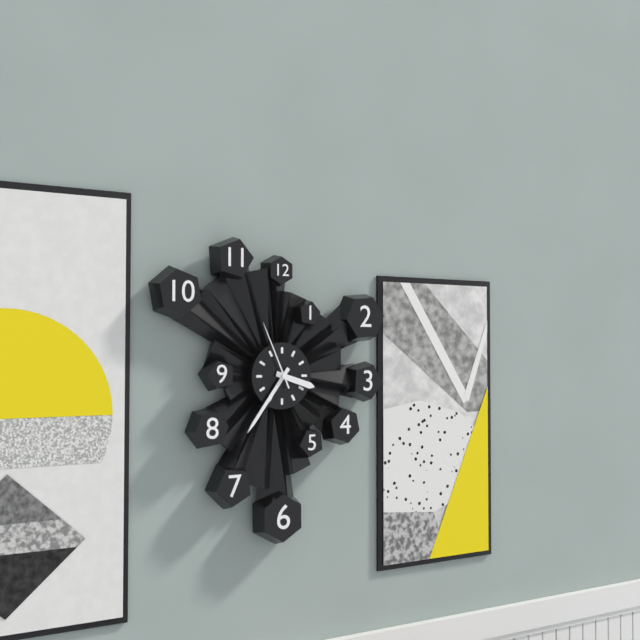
{"hour": 3, "minute": 36, "second": 56}
